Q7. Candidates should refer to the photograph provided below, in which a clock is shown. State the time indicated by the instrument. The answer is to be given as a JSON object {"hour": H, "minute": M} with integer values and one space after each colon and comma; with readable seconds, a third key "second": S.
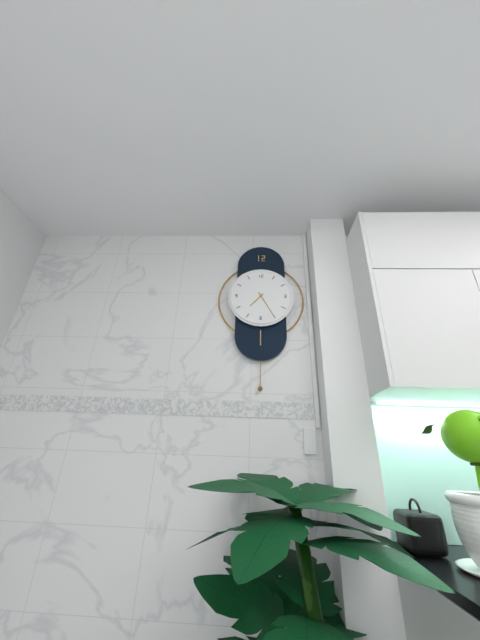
{"hour": 7, "minute": 25}
